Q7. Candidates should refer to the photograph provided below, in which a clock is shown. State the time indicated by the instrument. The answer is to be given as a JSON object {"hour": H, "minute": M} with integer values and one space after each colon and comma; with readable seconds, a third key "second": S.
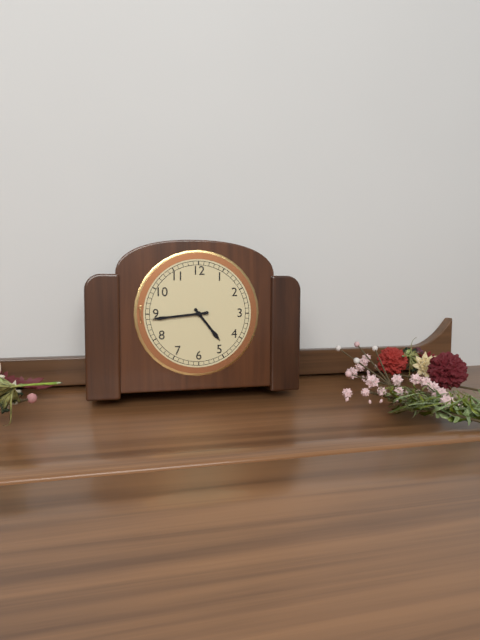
{"hour": 4, "minute": 44}
